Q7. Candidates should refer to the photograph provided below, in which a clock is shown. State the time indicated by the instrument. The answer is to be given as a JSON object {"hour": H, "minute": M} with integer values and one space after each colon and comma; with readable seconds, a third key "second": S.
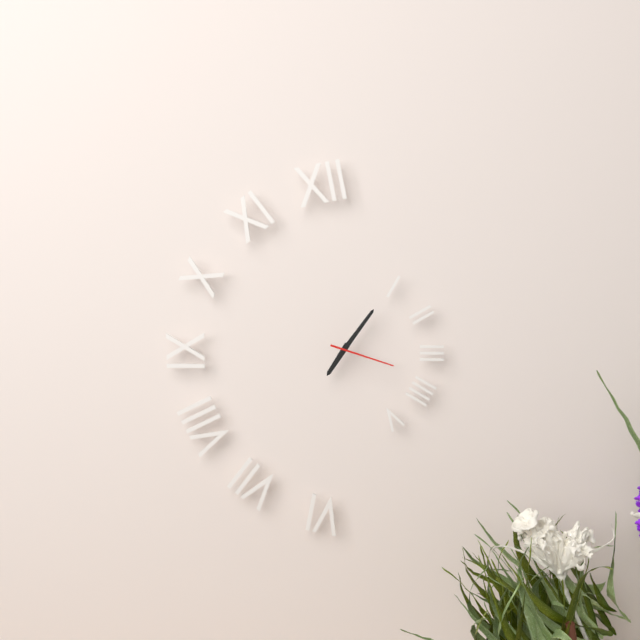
{"hour": 7, "minute": 6, "second": 18}
